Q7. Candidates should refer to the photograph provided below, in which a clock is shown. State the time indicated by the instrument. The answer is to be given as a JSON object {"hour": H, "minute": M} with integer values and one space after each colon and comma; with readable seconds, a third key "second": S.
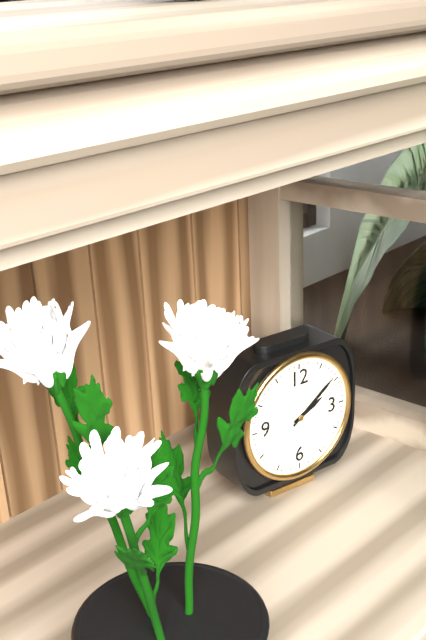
{"hour": 2, "minute": 9}
